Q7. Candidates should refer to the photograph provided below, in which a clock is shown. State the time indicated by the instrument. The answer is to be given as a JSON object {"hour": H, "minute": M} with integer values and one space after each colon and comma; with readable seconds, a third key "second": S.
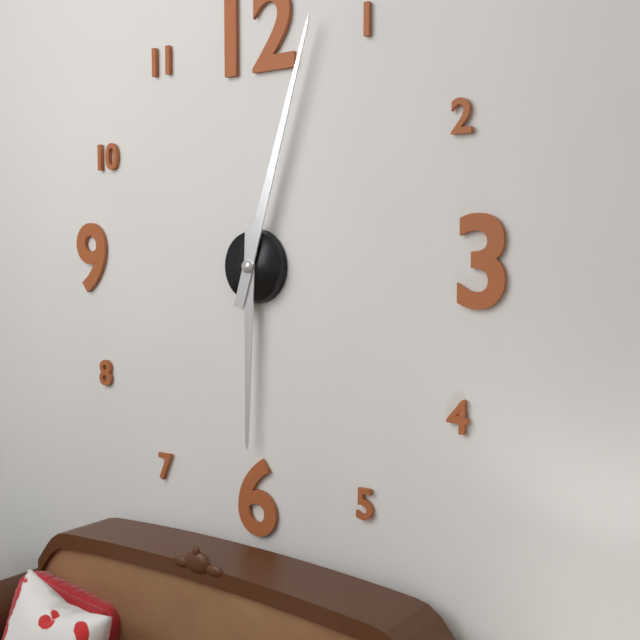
{"hour": 6, "minute": 3}
